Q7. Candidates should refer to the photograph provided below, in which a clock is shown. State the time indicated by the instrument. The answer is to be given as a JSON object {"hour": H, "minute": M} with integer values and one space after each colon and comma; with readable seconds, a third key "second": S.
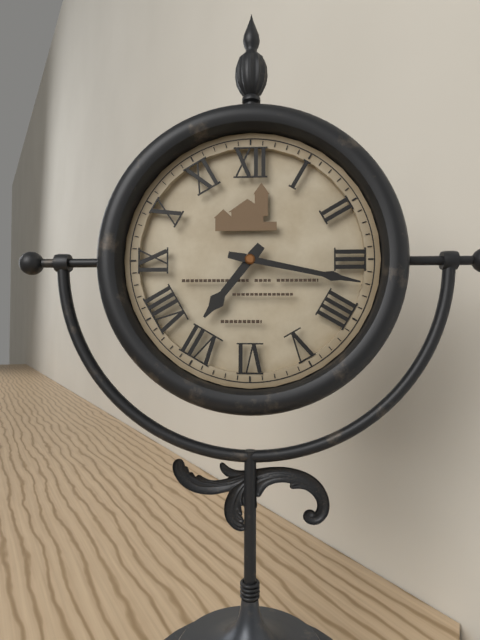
{"hour": 7, "minute": 17}
